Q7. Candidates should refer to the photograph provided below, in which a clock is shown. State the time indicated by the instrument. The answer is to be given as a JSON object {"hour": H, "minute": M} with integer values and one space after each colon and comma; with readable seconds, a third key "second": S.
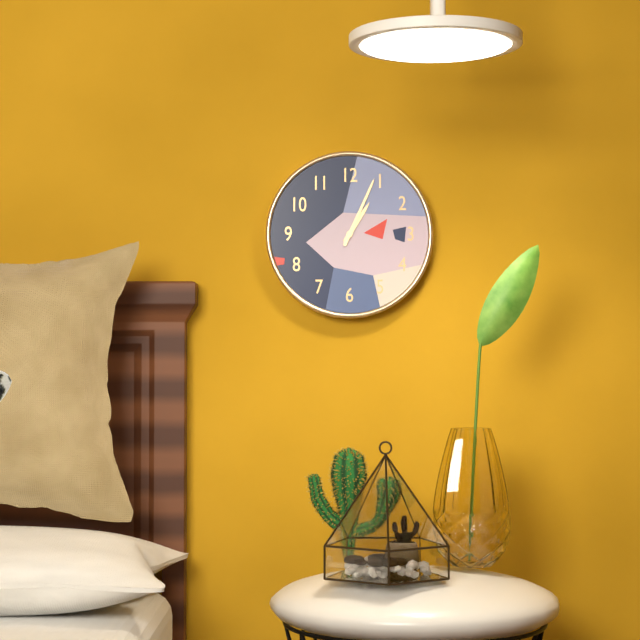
{"hour": 1, "minute": 4}
